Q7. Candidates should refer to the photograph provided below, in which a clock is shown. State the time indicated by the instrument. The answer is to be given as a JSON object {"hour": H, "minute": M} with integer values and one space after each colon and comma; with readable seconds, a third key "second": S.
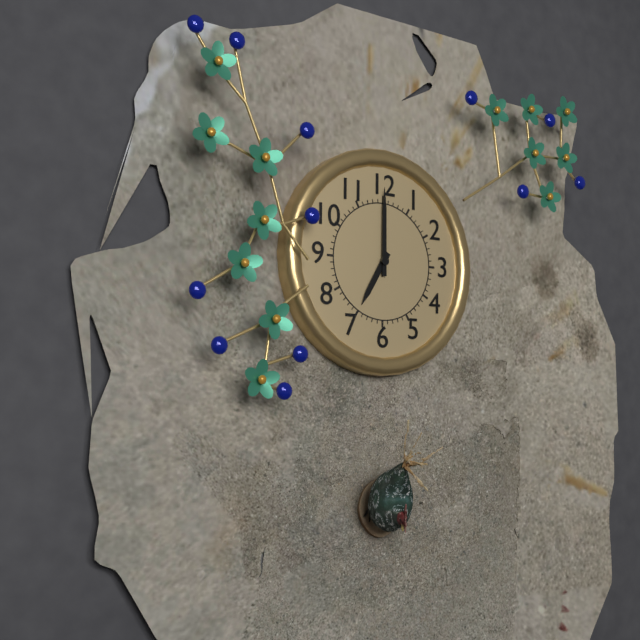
{"hour": 7, "minute": 0}
